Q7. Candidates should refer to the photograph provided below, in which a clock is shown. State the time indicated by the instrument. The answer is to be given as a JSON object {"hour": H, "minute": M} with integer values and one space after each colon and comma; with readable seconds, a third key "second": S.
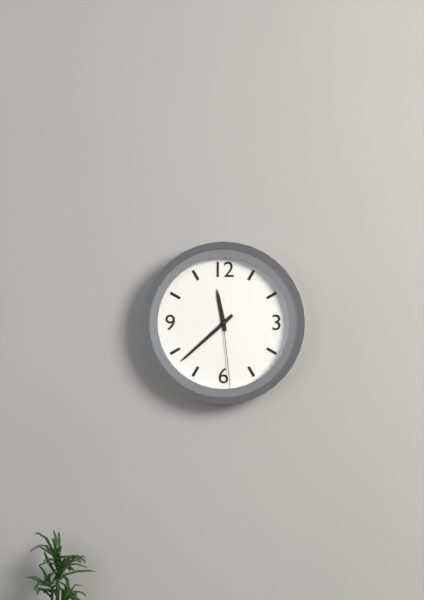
{"hour": 11, "minute": 38, "second": 29}
